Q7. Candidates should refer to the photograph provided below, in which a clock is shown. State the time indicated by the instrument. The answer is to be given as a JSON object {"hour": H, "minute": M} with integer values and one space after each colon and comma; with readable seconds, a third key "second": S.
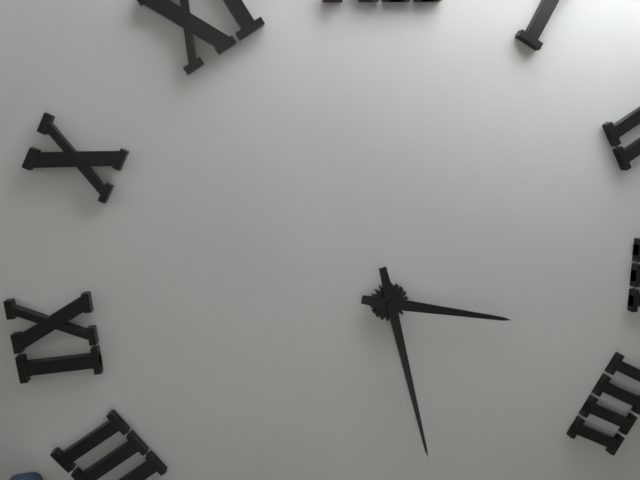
{"hour": 3, "minute": 28}
